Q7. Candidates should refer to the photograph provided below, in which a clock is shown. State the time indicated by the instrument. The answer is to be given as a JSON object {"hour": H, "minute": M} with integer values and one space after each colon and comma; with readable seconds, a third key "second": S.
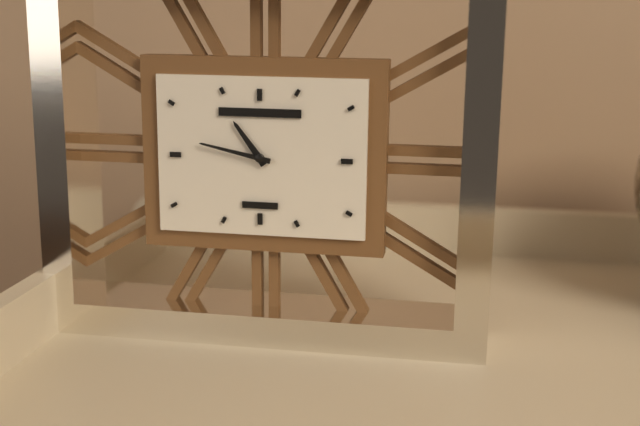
{"hour": 10, "minute": 47}
